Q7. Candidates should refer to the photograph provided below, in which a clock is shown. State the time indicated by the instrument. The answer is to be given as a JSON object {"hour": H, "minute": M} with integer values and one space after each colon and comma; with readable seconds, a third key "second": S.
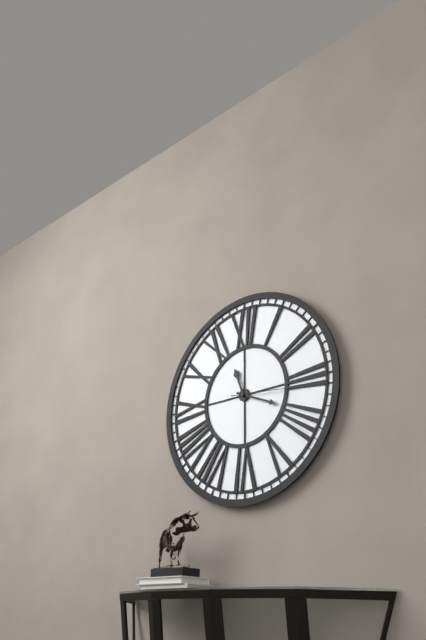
{"hour": 11, "minute": 19, "second": 16}
